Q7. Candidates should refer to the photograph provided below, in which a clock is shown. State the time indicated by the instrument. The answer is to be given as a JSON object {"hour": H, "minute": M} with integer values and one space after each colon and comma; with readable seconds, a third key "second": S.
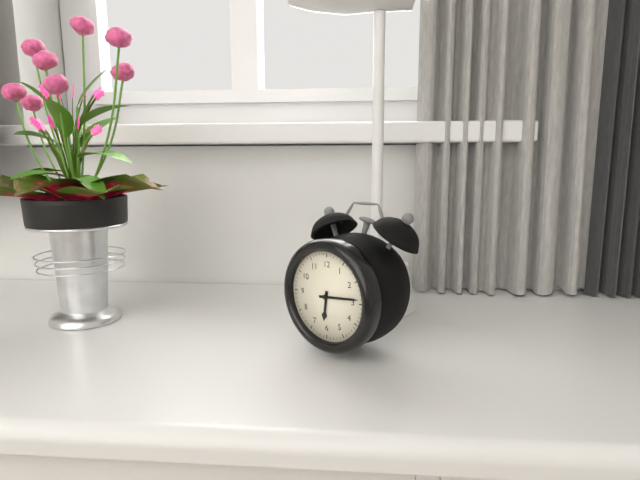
{"hour": 6, "minute": 14}
